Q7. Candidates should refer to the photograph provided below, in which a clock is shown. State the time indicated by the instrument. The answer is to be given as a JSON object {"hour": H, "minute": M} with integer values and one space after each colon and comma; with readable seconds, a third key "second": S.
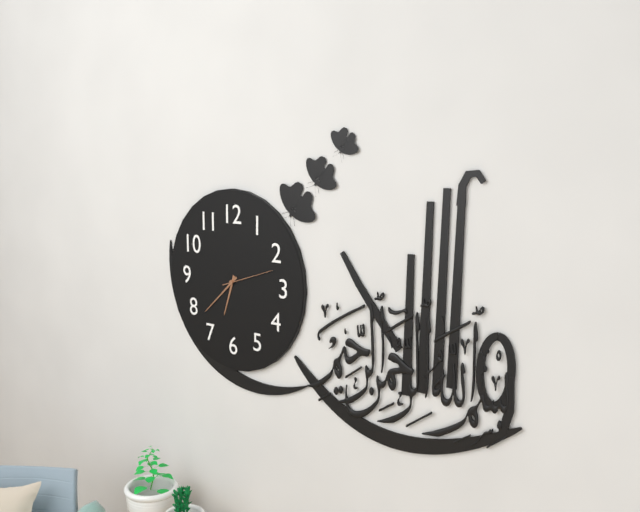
{"hour": 6, "minute": 38, "second": 12}
